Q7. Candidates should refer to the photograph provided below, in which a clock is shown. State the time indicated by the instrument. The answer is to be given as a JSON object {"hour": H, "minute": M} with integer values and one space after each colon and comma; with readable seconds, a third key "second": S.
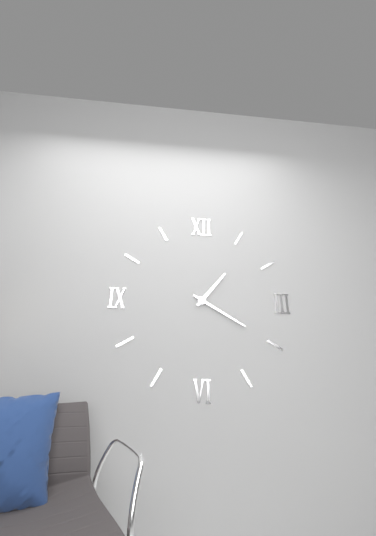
{"hour": 1, "minute": 20}
